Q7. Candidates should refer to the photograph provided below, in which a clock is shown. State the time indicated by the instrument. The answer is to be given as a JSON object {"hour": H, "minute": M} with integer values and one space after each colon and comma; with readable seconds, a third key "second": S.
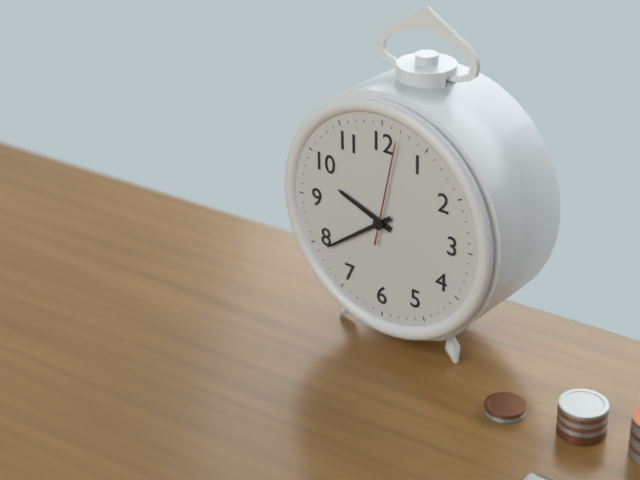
{"hour": 9, "minute": 39, "second": 2}
